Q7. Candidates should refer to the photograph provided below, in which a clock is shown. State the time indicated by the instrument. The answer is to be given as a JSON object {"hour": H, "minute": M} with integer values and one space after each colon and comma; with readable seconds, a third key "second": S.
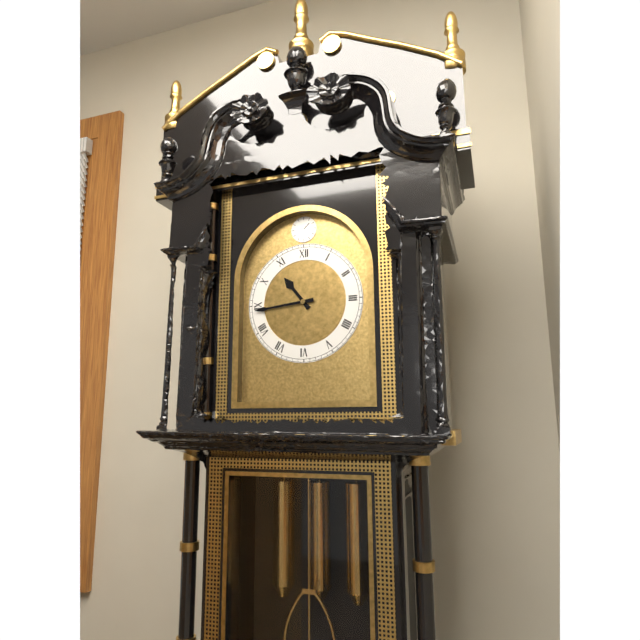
{"hour": 10, "minute": 44}
